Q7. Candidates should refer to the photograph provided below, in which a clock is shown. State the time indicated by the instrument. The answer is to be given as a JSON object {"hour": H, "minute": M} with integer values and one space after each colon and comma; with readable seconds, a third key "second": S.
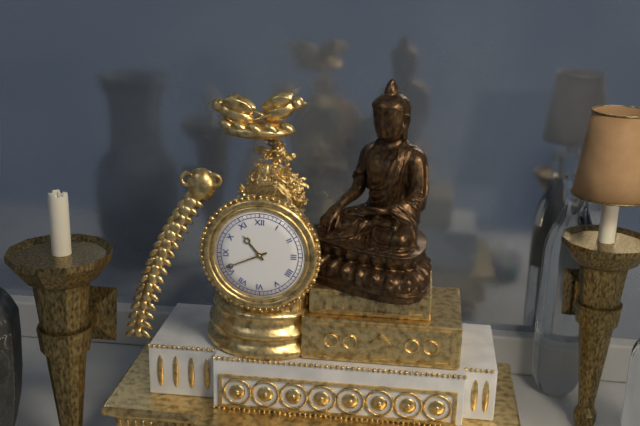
{"hour": 10, "minute": 41}
